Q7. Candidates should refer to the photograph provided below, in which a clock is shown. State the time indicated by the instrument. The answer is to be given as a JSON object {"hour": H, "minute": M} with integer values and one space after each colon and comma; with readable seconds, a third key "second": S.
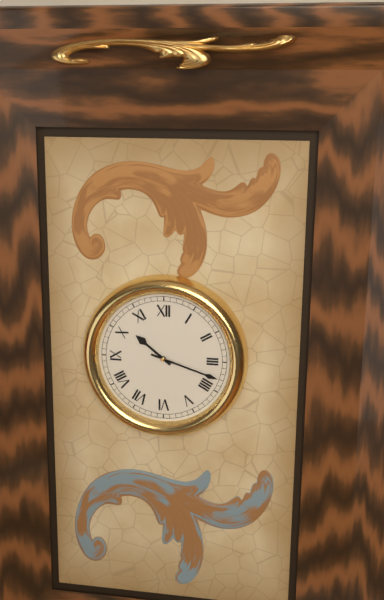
{"hour": 10, "minute": 18}
